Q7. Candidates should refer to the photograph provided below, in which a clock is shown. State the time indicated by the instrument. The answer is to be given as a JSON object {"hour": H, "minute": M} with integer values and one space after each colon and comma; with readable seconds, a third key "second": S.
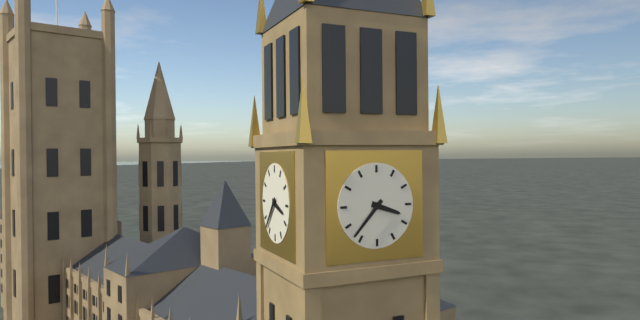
{"hour": 3, "minute": 37}
